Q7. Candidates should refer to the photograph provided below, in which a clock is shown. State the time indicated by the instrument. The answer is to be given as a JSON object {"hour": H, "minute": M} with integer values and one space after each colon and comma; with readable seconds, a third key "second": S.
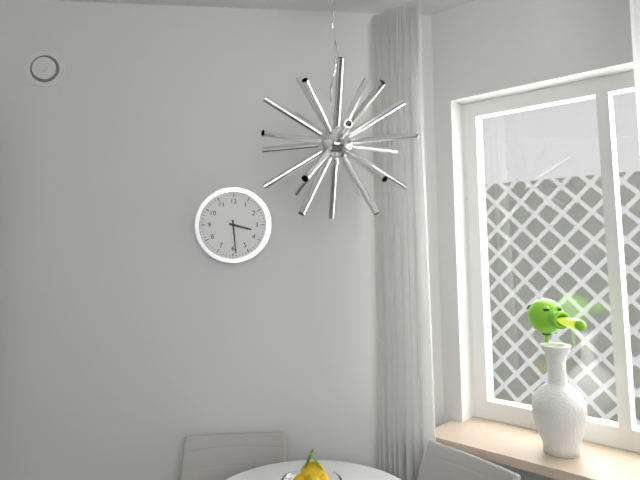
{"hour": 3, "minute": 29}
